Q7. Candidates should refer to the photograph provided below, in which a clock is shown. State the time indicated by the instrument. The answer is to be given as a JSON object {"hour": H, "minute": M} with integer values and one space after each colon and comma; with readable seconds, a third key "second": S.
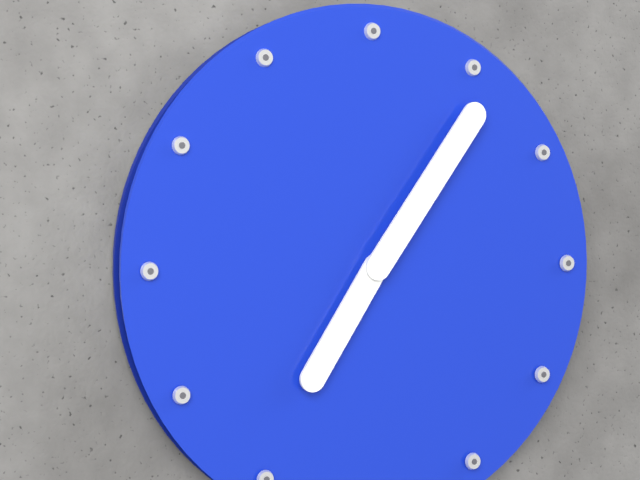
{"hour": 7, "minute": 6}
